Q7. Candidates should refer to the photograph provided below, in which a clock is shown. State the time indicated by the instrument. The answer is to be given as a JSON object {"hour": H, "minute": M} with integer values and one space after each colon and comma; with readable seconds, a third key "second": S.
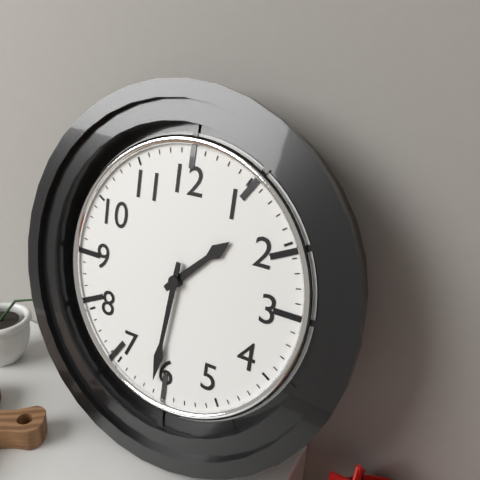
{"hour": 1, "minute": 31}
